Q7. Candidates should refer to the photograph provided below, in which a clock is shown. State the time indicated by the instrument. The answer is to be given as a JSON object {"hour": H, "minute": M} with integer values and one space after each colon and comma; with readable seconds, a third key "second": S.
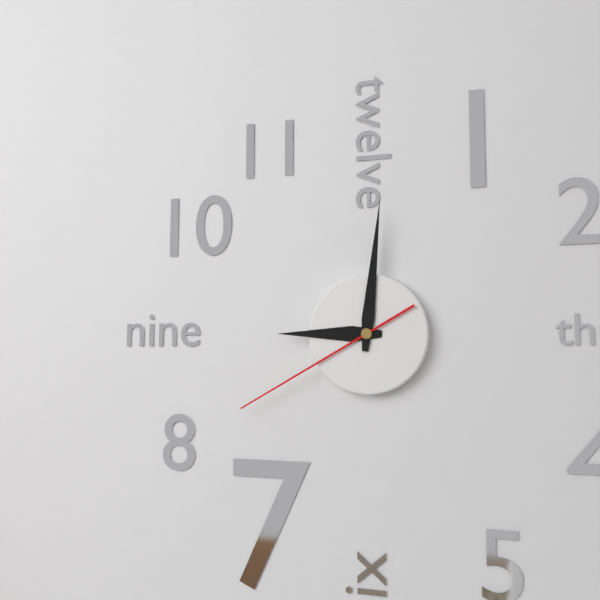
{"hour": 9, "minute": 1, "second": 40}
